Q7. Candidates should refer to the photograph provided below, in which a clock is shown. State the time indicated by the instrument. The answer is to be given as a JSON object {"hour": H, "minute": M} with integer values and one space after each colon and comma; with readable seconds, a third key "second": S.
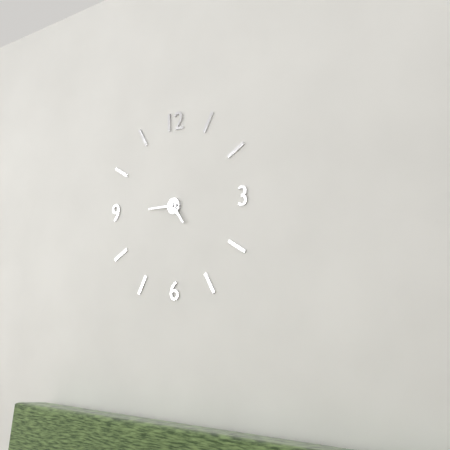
{"hour": 4, "minute": 45}
